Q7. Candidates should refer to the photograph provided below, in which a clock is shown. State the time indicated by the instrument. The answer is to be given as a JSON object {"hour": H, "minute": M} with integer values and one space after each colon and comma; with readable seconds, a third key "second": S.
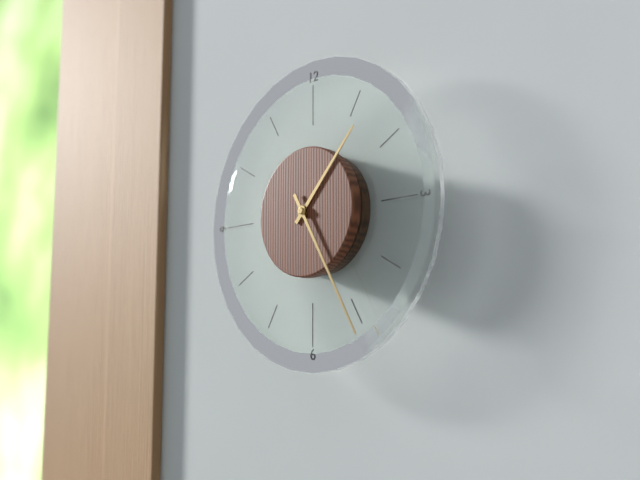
{"hour": 1, "minute": 25}
